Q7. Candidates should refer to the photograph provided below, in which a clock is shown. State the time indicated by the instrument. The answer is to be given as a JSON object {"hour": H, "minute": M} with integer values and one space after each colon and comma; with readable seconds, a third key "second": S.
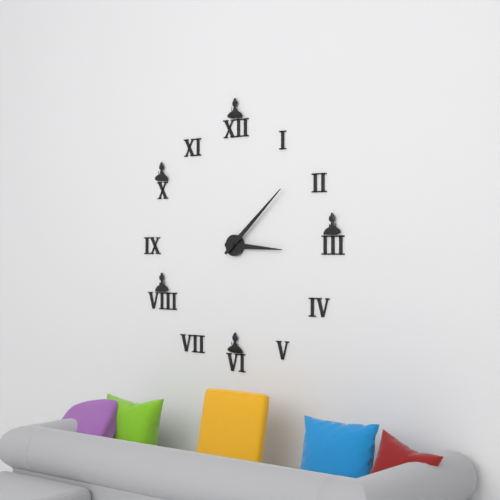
{"hour": 3, "minute": 8}
